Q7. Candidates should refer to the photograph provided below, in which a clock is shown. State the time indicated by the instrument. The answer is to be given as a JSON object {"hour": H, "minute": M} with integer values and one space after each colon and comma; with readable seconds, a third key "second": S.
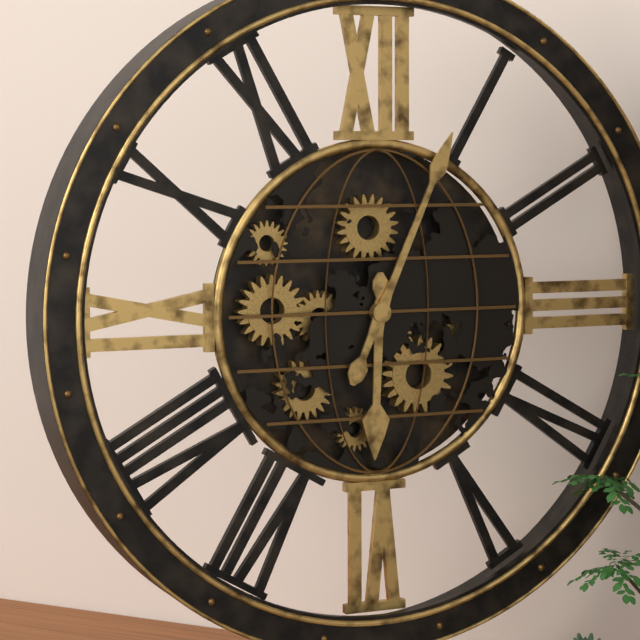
{"hour": 6, "minute": 4}
